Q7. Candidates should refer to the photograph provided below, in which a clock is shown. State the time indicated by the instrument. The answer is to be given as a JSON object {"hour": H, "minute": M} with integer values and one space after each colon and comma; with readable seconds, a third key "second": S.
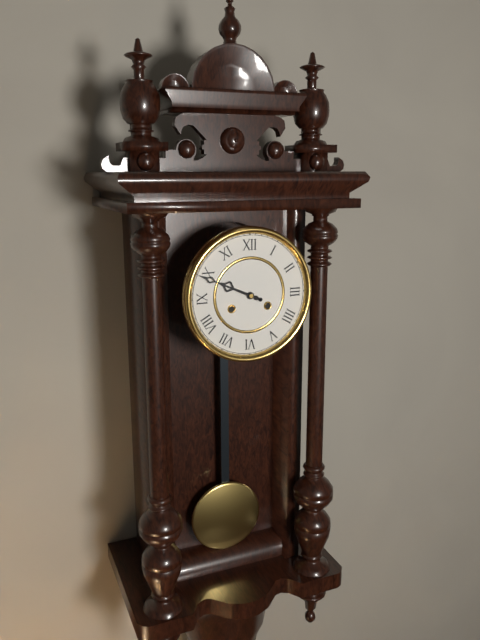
{"hour": 9, "minute": 49}
